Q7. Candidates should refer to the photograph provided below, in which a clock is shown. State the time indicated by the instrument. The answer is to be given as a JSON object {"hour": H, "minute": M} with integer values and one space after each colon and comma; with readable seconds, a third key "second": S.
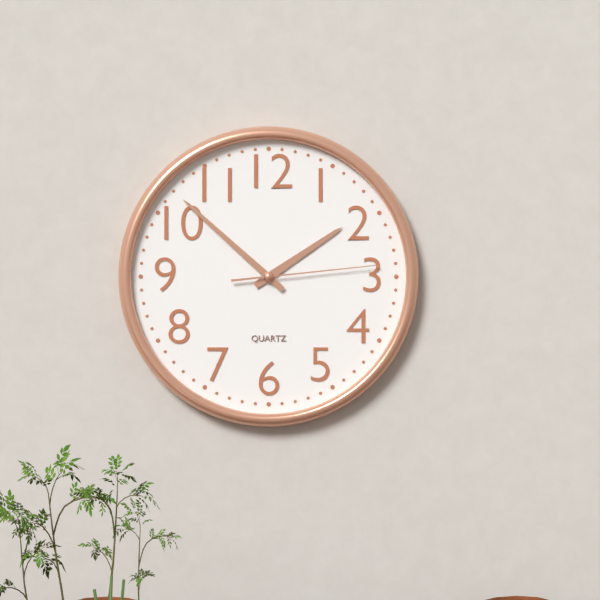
{"hour": 1, "minute": 52, "second": 14}
